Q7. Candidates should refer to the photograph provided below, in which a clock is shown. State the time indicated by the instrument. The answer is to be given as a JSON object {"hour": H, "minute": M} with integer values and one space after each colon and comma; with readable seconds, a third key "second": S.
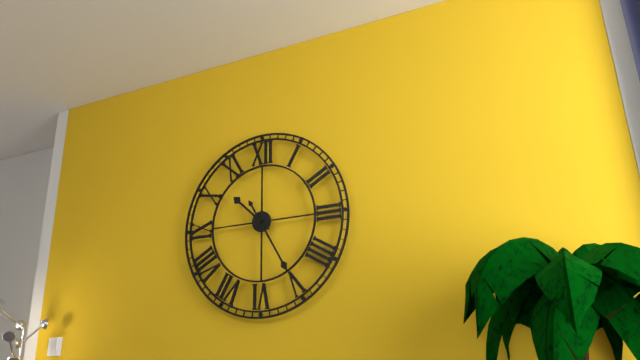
{"hour": 10, "minute": 25}
